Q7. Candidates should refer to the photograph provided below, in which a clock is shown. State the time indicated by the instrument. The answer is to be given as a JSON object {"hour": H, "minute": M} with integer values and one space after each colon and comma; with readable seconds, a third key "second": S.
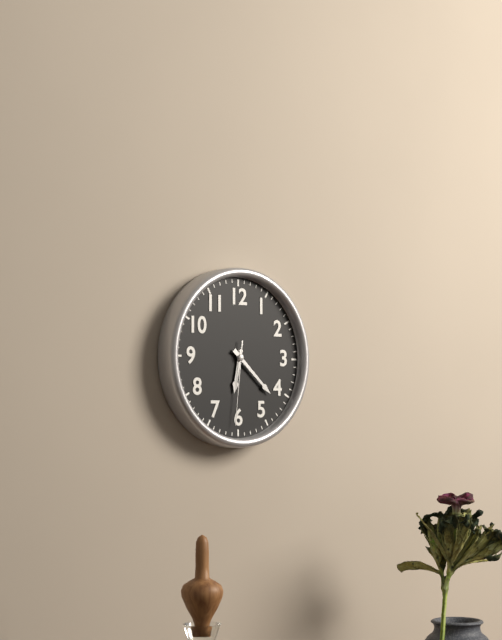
{"hour": 6, "minute": 22, "second": 31}
